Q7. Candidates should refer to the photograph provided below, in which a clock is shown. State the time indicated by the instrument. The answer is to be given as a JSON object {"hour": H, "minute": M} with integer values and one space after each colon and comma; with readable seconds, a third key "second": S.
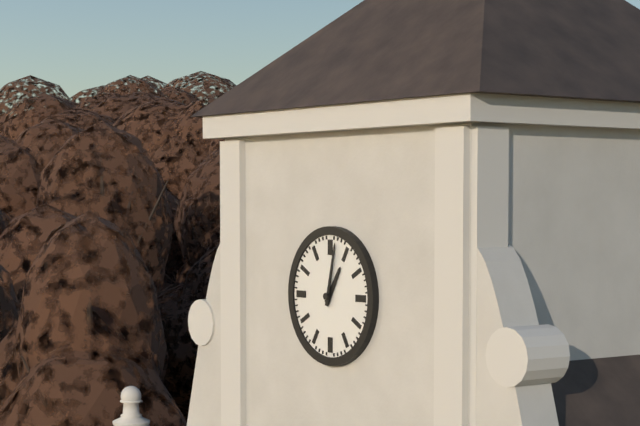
{"hour": 1, "minute": 2}
